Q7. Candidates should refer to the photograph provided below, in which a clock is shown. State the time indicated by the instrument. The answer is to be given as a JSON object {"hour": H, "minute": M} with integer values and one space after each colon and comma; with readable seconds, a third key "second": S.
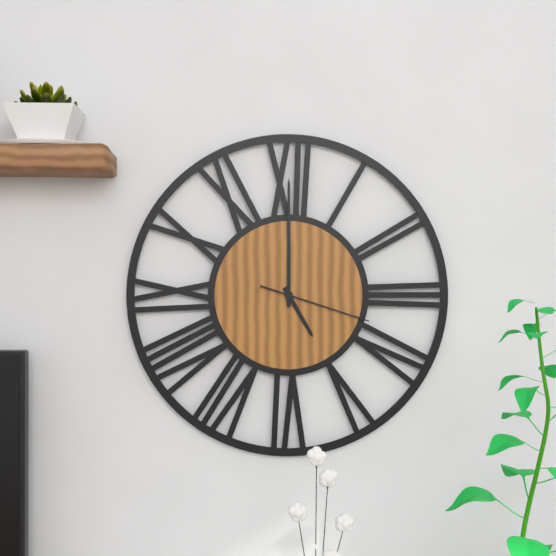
{"hour": 5, "minute": 0, "second": 18}
